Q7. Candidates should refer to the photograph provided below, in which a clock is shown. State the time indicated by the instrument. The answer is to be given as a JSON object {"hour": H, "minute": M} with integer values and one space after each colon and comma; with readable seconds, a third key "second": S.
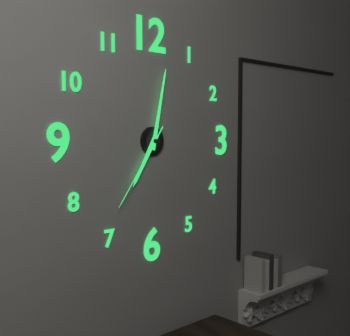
{"hour": 7, "minute": 2, "second": 36}
